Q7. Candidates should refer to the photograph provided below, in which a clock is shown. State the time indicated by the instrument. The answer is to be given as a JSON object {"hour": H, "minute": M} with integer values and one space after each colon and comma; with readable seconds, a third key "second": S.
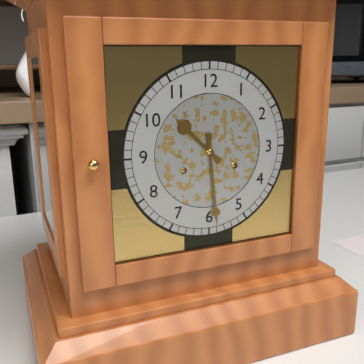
{"hour": 10, "minute": 29}
